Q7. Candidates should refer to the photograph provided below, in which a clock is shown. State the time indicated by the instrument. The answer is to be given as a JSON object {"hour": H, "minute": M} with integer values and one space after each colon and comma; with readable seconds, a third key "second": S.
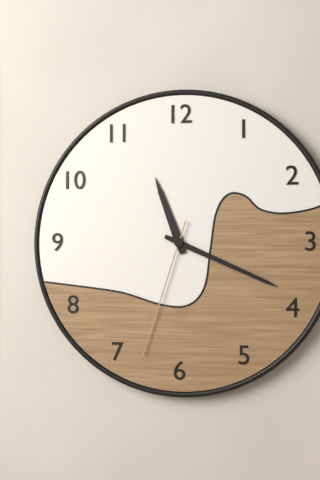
{"hour": 11, "minute": 19, "second": 33}
